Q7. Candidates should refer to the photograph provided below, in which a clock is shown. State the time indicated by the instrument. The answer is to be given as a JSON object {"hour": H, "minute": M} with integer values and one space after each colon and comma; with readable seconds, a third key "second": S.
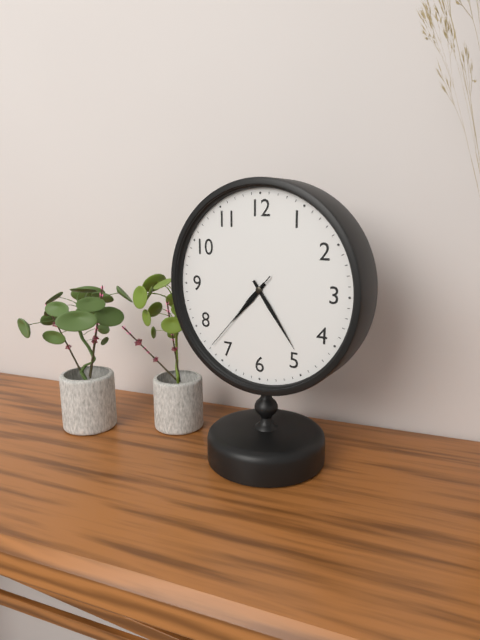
{"hour": 7, "minute": 24, "second": 37}
